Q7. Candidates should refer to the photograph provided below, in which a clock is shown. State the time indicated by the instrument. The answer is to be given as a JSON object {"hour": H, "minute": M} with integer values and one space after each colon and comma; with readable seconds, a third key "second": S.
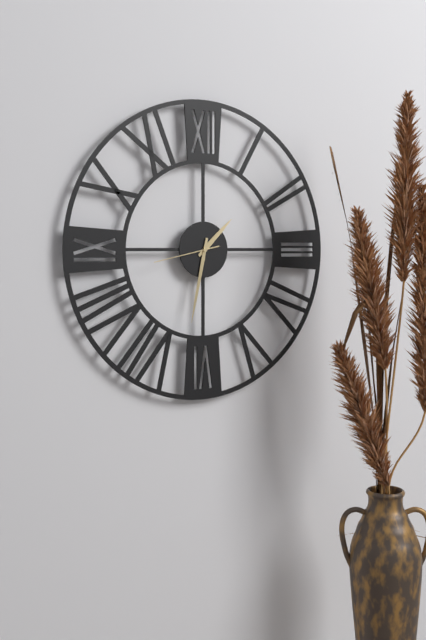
{"hour": 1, "minute": 32, "second": 43}
